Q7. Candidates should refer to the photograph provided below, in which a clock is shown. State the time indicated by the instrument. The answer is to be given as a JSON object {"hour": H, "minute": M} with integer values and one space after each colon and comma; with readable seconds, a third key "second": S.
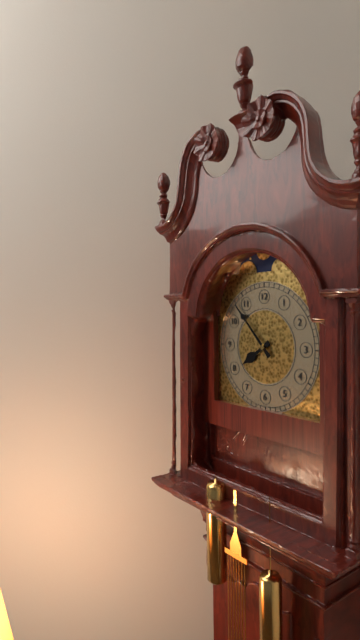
{"hour": 7, "minute": 53}
